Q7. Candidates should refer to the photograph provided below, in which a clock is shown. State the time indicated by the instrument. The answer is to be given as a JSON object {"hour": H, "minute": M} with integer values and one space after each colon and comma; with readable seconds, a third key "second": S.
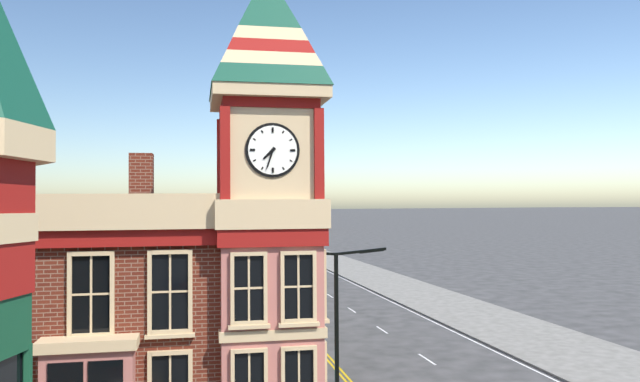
{"hour": 7, "minute": 33}
